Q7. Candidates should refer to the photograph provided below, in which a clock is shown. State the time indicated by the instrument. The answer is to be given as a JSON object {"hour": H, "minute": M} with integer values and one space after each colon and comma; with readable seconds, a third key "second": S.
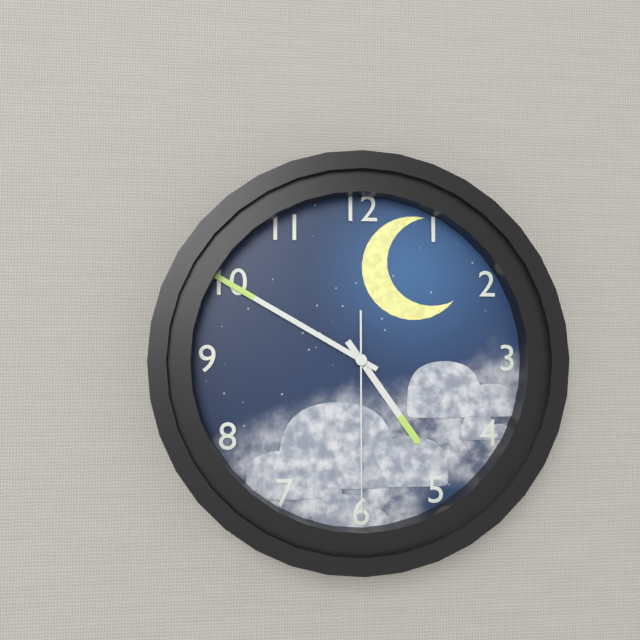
{"hour": 4, "minute": 50, "second": 30}
